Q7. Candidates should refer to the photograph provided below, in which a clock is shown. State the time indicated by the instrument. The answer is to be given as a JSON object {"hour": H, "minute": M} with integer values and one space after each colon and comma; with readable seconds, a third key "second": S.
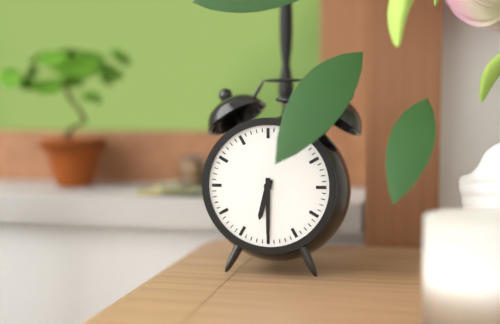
{"hour": 6, "minute": 30}
